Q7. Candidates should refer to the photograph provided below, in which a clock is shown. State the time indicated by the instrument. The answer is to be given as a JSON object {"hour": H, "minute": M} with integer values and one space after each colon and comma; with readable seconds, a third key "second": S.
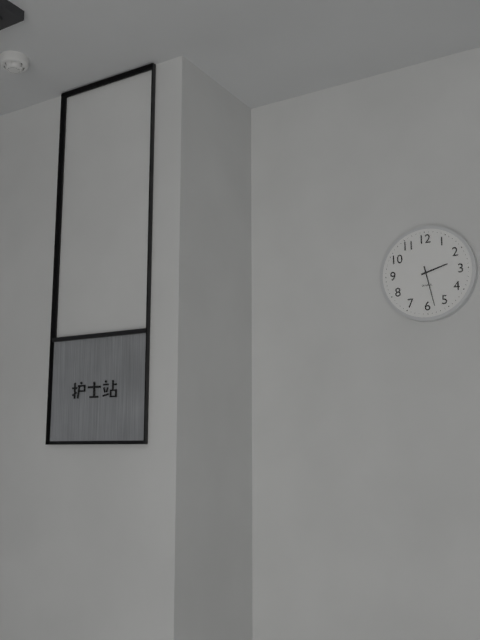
{"hour": 2, "minute": 28}
